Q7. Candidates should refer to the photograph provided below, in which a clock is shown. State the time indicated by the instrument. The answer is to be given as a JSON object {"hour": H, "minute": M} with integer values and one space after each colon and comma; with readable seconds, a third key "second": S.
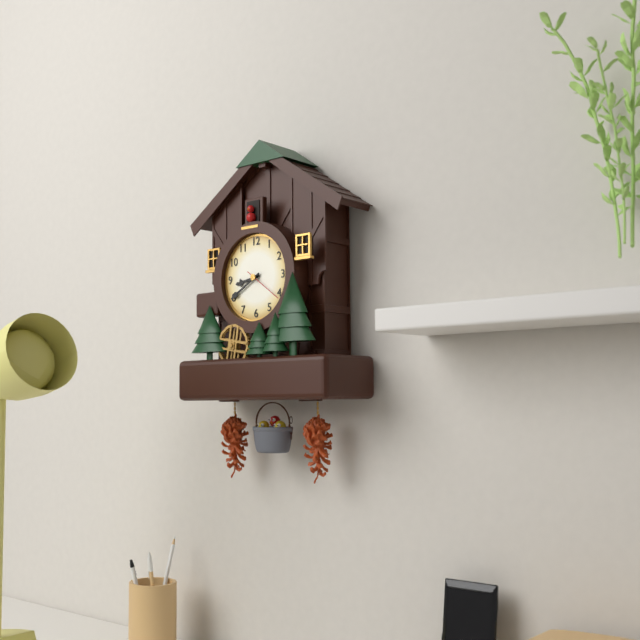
{"hour": 8, "minute": 40}
